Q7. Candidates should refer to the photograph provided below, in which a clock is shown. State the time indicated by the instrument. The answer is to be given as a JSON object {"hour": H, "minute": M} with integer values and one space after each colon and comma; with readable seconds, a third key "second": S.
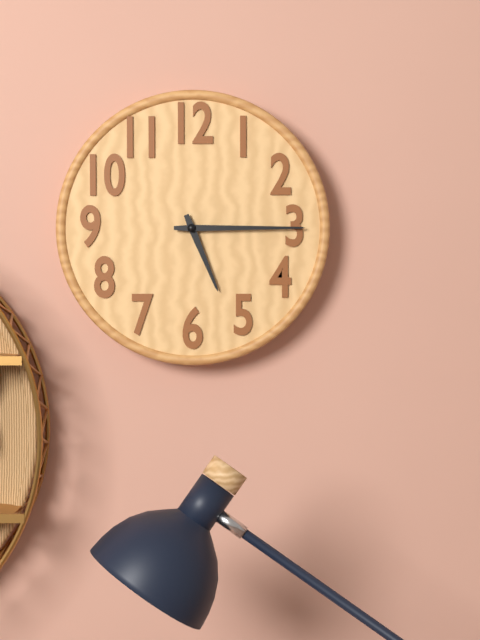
{"hour": 5, "minute": 15}
